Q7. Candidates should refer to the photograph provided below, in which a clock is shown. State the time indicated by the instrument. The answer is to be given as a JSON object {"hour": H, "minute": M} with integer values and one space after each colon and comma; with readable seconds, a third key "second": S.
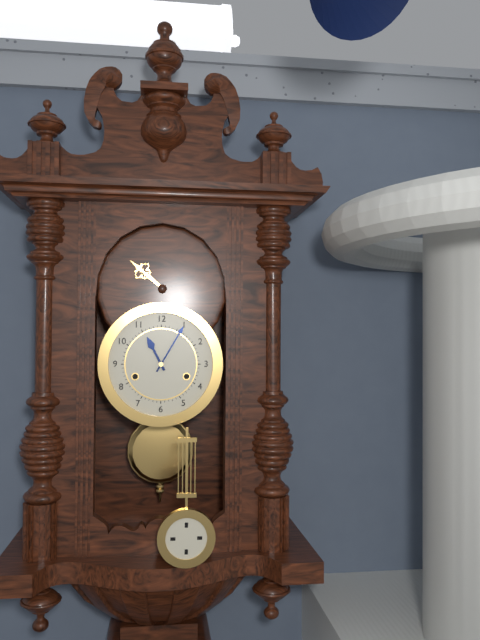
{"hour": 11, "minute": 5}
